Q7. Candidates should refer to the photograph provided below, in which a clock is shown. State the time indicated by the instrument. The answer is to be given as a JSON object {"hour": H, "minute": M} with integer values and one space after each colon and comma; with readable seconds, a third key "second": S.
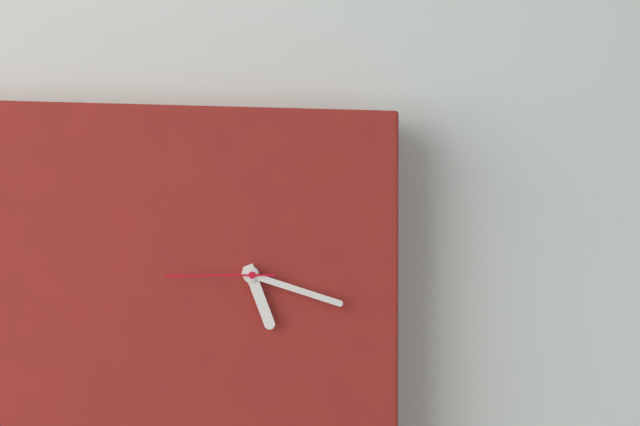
{"hour": 5, "minute": 18, "second": 45}
